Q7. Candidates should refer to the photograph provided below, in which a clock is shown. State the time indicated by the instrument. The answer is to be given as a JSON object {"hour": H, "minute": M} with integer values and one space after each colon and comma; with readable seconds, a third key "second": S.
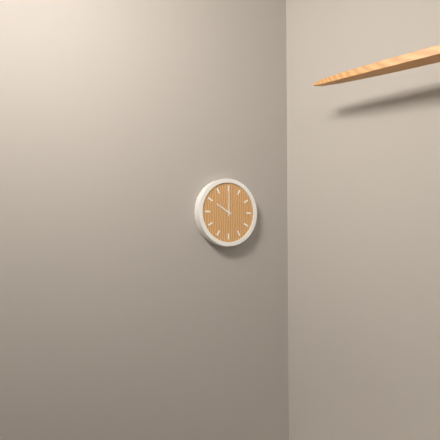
{"hour": 10, "minute": 0}
